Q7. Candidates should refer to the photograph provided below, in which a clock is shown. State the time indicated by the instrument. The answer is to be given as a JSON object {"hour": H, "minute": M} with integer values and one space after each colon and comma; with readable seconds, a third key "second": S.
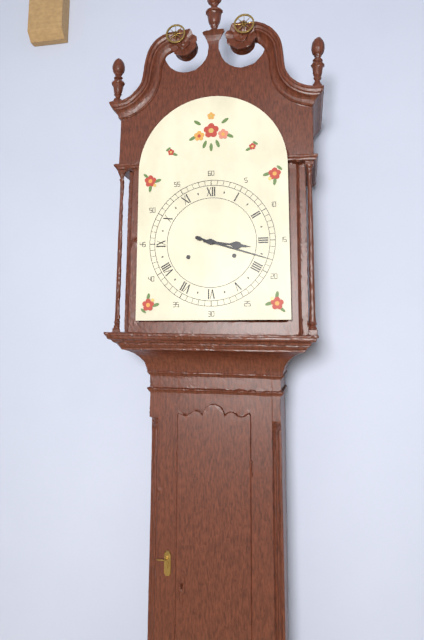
{"hour": 3, "minute": 18}
